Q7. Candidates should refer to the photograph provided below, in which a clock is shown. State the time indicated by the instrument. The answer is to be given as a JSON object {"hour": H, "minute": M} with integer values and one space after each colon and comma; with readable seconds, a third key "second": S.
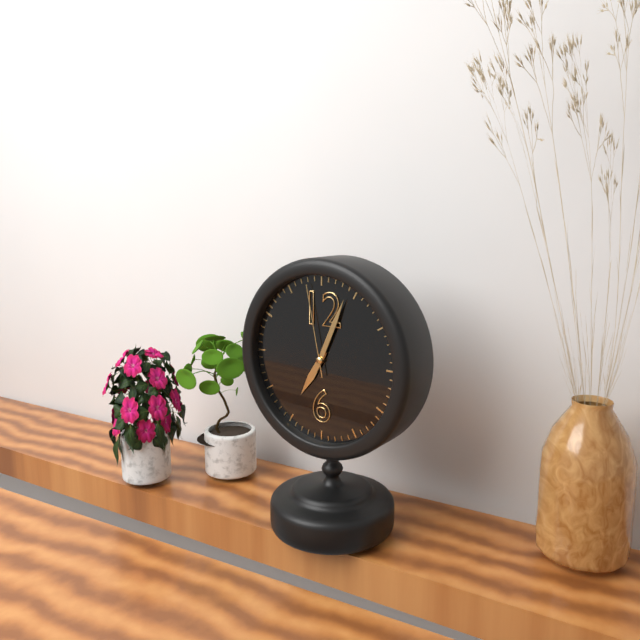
{"hour": 7, "minute": 4, "second": 58}
